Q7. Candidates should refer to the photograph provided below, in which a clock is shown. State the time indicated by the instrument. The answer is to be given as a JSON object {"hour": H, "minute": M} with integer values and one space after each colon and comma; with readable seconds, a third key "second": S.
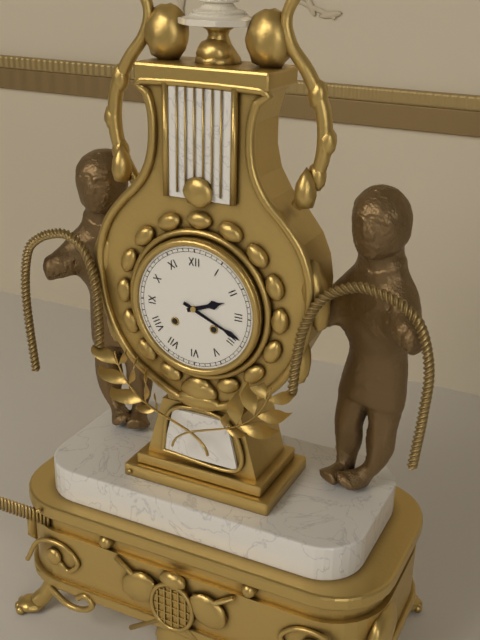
{"hour": 2, "minute": 19}
